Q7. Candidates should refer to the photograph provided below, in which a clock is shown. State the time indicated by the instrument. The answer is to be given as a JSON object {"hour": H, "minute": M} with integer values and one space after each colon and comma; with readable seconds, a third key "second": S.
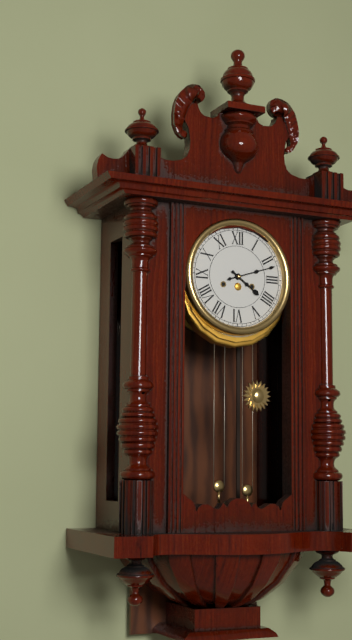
{"hour": 4, "minute": 12}
